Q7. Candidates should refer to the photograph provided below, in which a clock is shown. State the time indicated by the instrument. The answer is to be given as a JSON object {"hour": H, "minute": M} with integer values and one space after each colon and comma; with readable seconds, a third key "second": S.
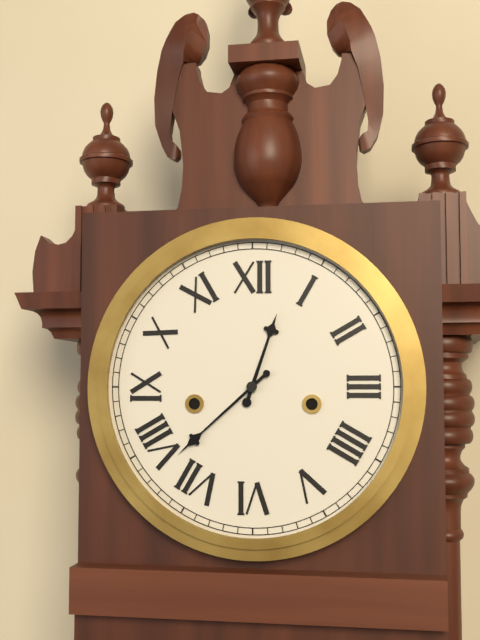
{"hour": 12, "minute": 38}
